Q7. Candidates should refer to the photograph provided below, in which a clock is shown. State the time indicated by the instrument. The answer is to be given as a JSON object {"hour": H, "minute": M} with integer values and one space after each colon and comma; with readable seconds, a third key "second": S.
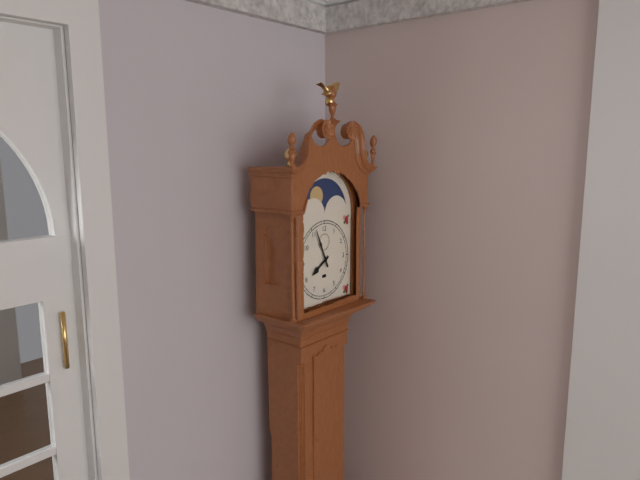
{"hour": 7, "minute": 56}
